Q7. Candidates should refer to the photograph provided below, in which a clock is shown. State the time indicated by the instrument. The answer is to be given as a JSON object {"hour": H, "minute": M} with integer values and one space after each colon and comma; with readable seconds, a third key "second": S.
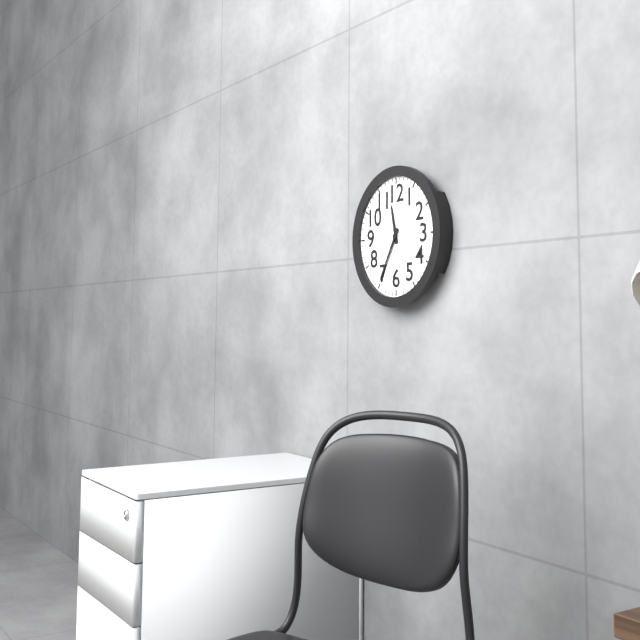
{"hour": 11, "minute": 35}
